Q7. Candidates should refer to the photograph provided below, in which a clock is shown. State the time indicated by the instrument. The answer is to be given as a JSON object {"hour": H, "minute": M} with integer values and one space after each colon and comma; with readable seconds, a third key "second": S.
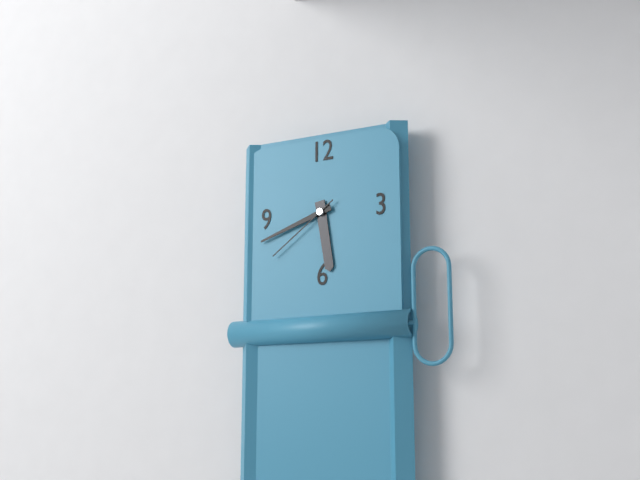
{"hour": 5, "minute": 42, "second": 39}
